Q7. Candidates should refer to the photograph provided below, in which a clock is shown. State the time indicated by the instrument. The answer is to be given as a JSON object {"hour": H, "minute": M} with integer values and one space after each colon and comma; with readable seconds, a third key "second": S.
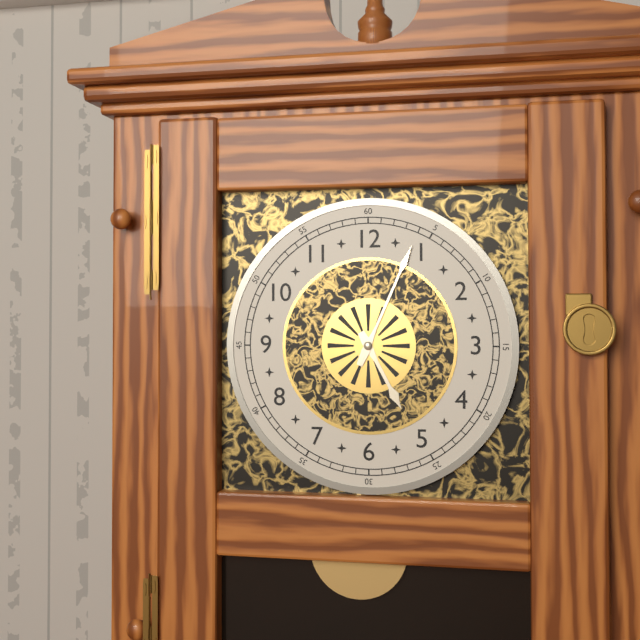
{"hour": 5, "minute": 4}
